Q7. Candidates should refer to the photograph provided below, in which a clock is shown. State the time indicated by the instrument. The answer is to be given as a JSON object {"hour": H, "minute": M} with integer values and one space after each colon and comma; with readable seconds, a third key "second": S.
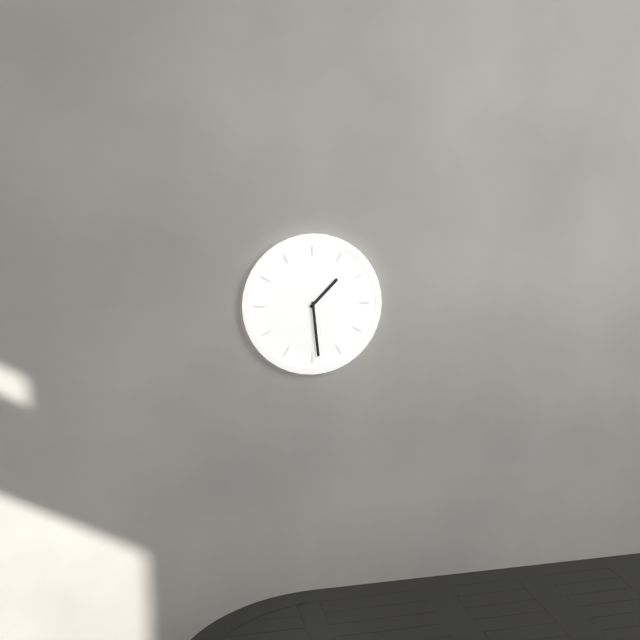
{"hour": 1, "minute": 29}
